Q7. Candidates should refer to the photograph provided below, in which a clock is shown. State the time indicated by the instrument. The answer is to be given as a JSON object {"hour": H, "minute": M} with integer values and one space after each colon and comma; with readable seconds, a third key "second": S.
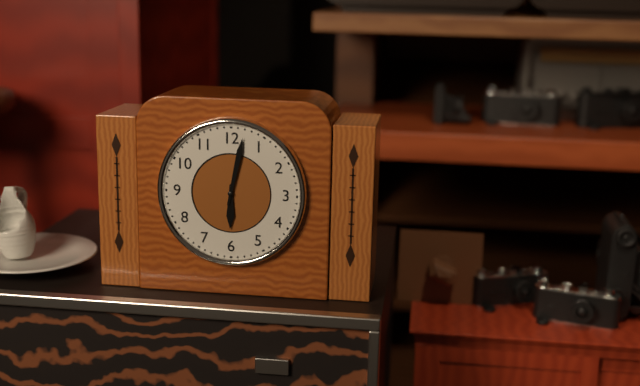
{"hour": 6, "minute": 2}
